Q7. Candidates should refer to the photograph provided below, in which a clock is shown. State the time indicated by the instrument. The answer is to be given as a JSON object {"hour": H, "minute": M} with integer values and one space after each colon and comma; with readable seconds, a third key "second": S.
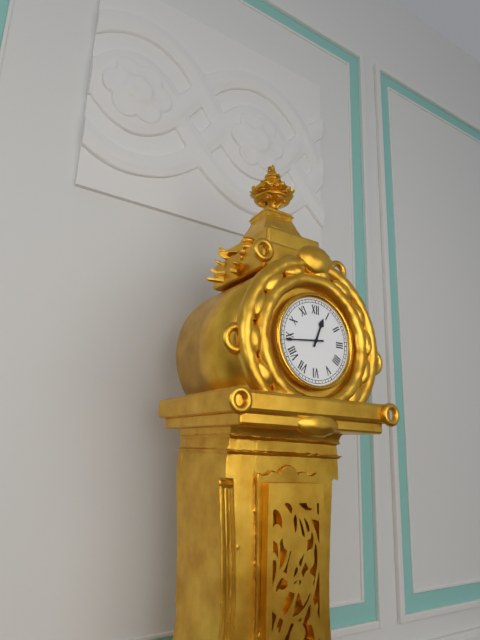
{"hour": 12, "minute": 44}
